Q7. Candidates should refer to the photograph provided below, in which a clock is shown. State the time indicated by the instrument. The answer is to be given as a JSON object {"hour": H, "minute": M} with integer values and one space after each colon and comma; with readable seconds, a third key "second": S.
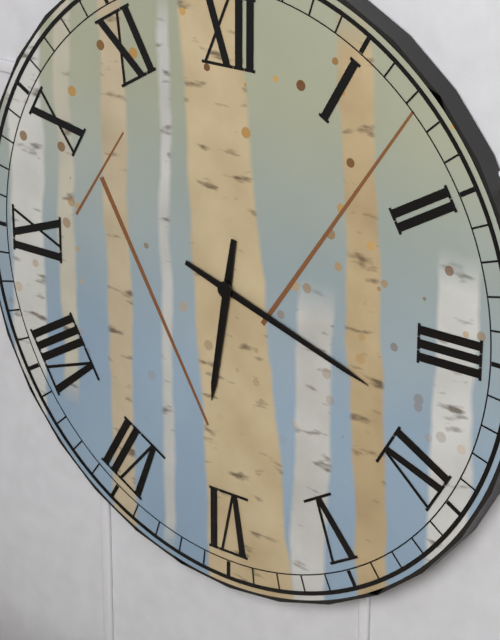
{"hour": 6, "minute": 18}
